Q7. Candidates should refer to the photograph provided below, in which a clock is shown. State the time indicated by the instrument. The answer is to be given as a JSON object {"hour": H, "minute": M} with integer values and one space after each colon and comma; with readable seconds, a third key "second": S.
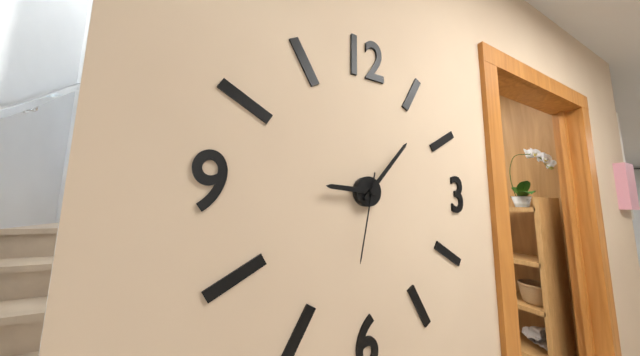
{"hour": 9, "minute": 7, "second": 32}
